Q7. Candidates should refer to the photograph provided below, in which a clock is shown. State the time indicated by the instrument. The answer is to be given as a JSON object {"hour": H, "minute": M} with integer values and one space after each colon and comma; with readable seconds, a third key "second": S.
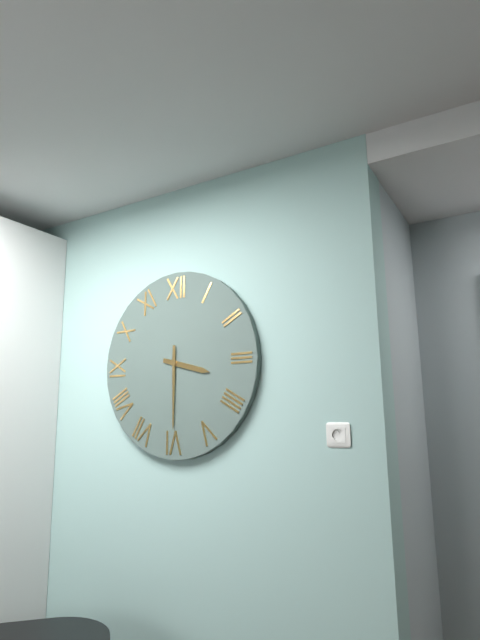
{"hour": 3, "minute": 30}
